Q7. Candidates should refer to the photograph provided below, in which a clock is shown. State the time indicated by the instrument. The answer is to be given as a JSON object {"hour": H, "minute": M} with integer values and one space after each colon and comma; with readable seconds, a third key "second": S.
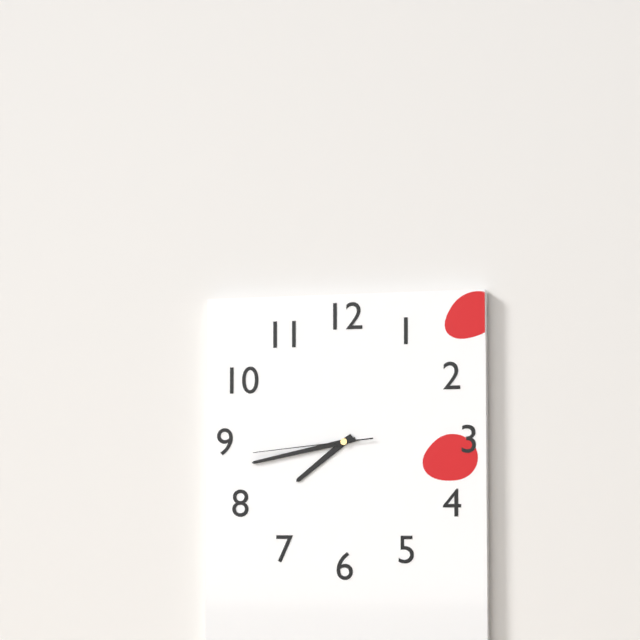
{"hour": 7, "minute": 43, "second": 44}
